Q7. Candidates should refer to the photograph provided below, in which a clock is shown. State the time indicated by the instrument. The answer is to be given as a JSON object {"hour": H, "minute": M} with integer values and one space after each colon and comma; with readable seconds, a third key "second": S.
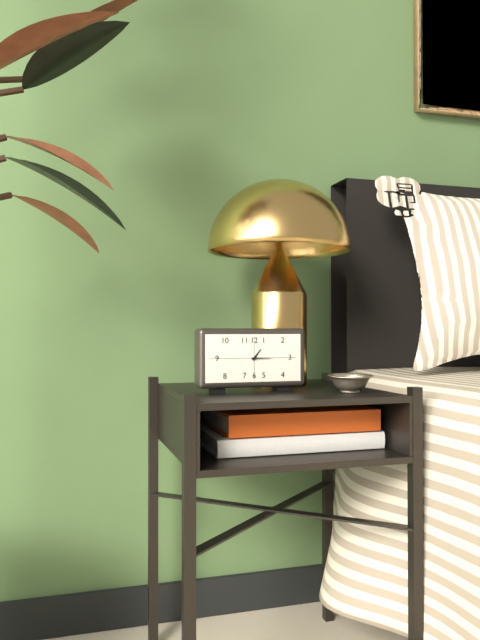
{"hour": 1, "minute": 15}
